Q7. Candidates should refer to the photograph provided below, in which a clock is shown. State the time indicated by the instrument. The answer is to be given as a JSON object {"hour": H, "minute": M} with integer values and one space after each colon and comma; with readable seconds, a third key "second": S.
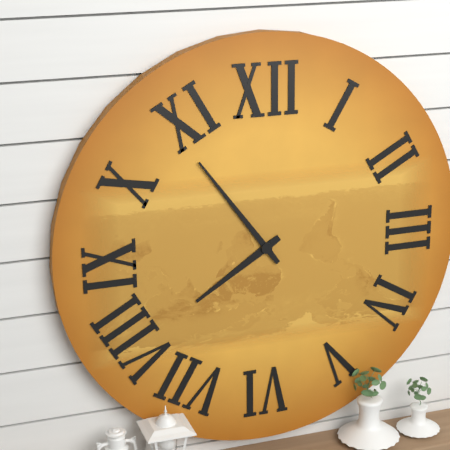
{"hour": 7, "minute": 54}
